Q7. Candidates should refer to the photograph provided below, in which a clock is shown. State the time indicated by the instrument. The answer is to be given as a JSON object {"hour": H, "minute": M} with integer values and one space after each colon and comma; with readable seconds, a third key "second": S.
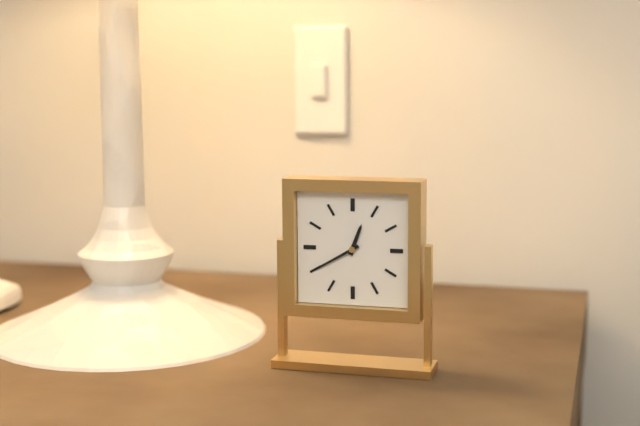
{"hour": 12, "minute": 40}
